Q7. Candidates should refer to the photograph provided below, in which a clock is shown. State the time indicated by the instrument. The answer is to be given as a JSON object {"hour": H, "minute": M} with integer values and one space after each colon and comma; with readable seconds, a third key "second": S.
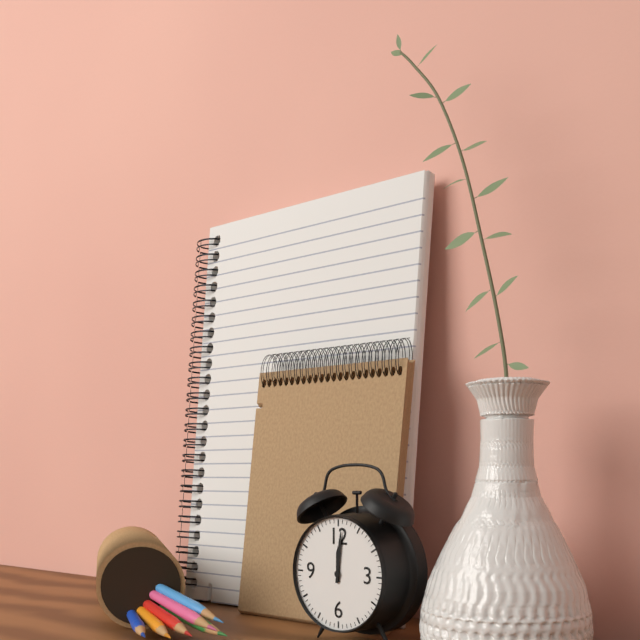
{"hour": 12, "minute": 1}
